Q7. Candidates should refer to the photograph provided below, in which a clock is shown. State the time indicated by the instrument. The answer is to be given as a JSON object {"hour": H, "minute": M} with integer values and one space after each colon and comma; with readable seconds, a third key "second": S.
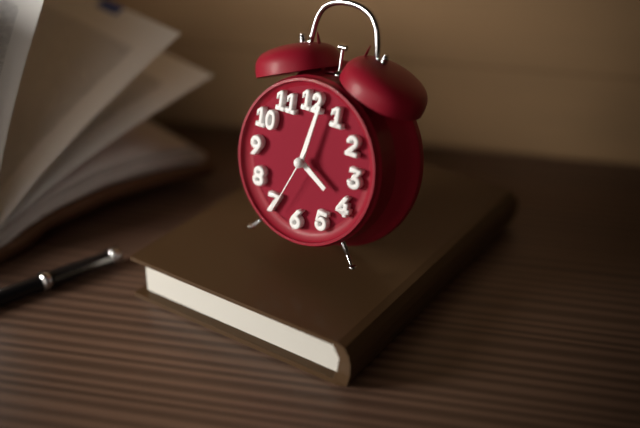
{"hour": 4, "minute": 2, "second": 34}
